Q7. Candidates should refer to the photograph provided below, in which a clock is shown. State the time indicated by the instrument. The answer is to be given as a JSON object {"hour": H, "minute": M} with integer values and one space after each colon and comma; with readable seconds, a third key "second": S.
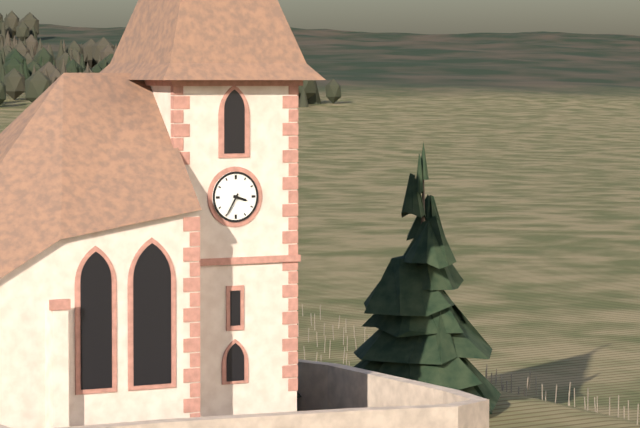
{"hour": 3, "minute": 35}
